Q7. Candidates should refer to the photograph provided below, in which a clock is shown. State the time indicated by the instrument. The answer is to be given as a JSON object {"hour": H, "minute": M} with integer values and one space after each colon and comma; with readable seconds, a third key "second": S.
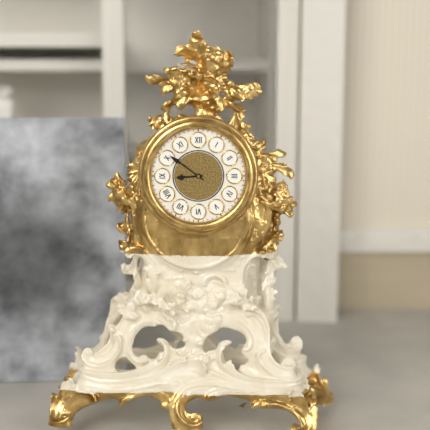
{"hour": 8, "minute": 51}
